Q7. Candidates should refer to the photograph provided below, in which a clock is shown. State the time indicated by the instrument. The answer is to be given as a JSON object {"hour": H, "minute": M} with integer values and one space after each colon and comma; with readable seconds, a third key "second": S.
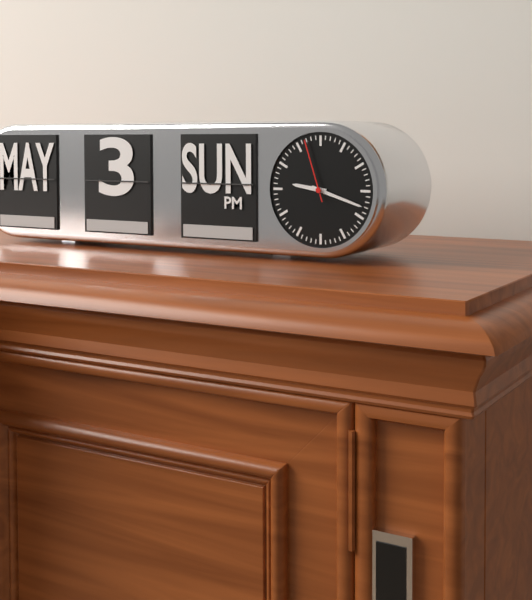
{"hour": 9, "minute": 18, "second": 57}
